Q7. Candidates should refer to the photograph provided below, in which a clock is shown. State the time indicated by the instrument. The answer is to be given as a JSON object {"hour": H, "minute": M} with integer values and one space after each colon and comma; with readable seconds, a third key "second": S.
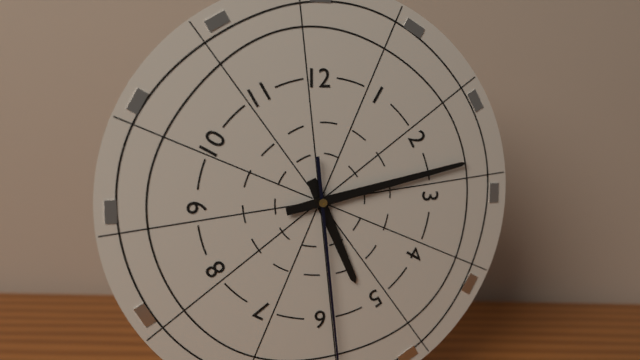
{"hour": 5, "minute": 13}
